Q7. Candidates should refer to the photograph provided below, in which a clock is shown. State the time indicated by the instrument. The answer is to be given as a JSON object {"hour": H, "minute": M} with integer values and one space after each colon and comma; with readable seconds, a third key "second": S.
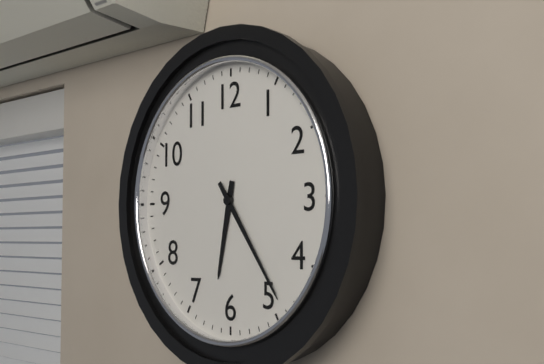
{"hour": 6, "minute": 24}
